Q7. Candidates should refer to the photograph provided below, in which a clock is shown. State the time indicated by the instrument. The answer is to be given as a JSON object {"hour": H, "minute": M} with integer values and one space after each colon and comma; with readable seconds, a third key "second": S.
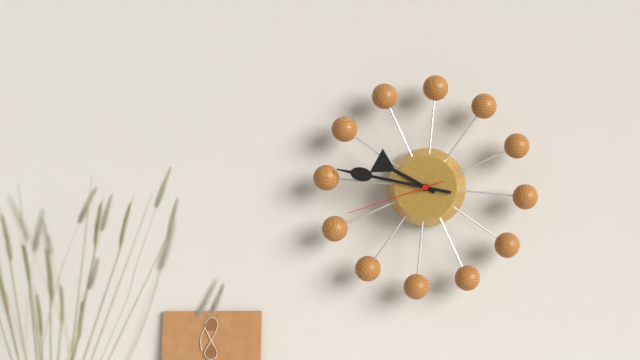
{"hour": 9, "minute": 46, "second": 41}
